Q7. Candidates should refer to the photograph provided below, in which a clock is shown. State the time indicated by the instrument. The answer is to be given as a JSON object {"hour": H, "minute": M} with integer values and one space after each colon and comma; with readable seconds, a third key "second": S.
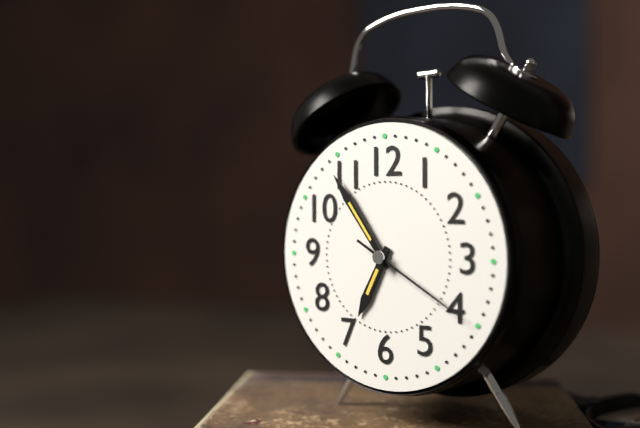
{"hour": 6, "minute": 54, "second": 20}
